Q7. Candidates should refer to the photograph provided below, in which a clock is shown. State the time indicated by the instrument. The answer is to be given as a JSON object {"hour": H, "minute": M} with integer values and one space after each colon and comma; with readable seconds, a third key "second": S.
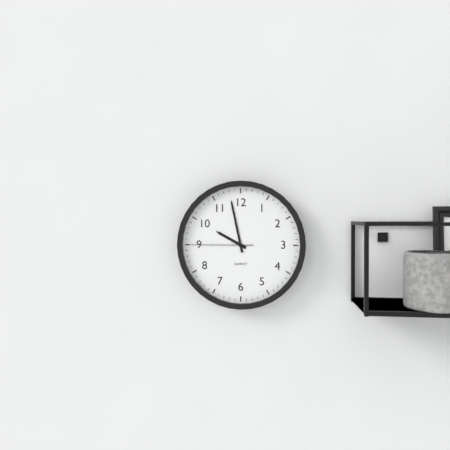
{"hour": 9, "minute": 58, "second": 45}
